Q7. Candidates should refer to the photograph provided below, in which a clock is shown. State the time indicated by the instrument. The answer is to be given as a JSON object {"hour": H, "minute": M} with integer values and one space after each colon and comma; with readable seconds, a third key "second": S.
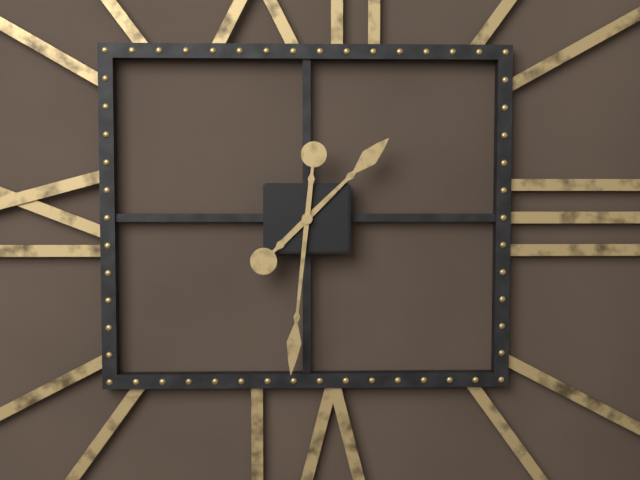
{"hour": 1, "minute": 31}
